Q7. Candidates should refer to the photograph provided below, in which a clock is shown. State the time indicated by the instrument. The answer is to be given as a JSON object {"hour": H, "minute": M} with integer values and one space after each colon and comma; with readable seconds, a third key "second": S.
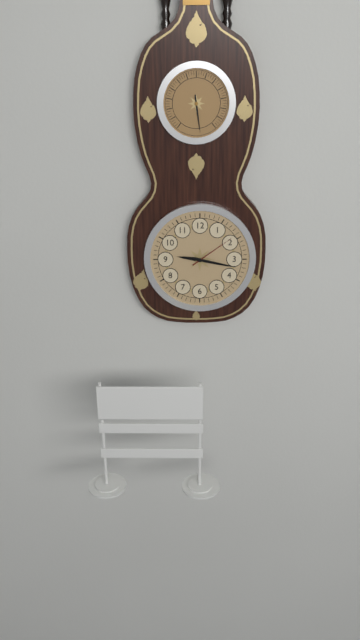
{"hour": 9, "minute": 17}
